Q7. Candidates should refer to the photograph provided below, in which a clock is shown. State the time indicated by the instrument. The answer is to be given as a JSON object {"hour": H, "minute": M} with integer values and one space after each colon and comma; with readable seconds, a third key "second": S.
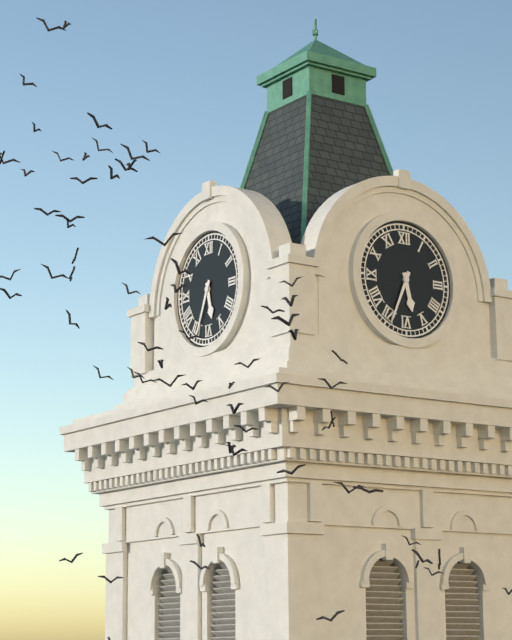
{"hour": 5, "minute": 34}
